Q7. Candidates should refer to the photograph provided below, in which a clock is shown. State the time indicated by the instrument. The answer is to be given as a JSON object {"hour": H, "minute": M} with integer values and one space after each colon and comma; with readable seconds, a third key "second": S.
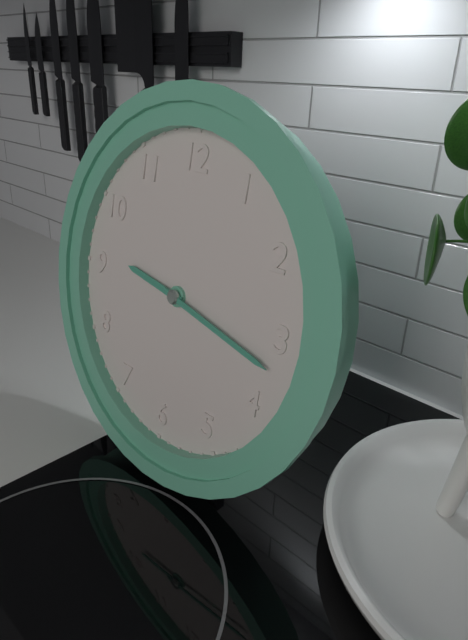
{"hour": 9, "minute": 17}
